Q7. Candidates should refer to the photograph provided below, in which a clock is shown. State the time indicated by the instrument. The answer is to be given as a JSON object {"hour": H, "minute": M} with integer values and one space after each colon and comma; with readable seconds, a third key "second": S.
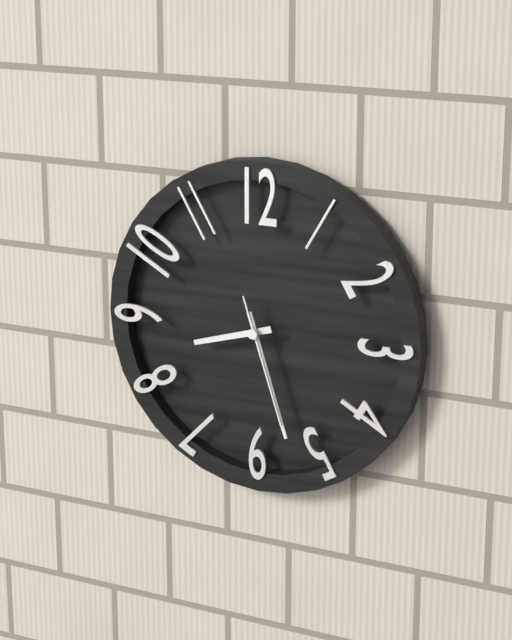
{"hour": 8, "minute": 27, "second": 27}
